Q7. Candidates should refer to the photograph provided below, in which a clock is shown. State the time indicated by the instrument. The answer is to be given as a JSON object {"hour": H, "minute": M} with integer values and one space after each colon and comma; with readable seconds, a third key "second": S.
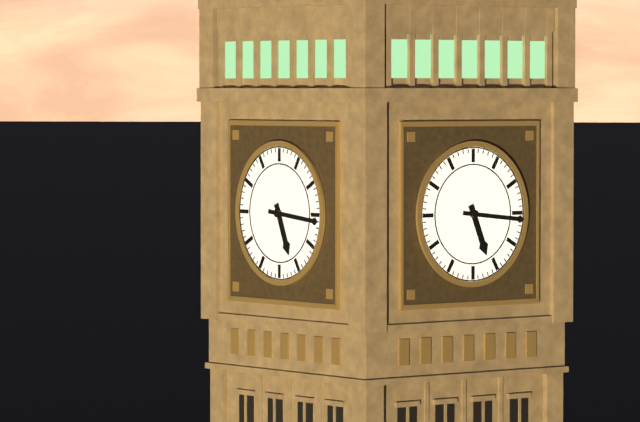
{"hour": 5, "minute": 16}
